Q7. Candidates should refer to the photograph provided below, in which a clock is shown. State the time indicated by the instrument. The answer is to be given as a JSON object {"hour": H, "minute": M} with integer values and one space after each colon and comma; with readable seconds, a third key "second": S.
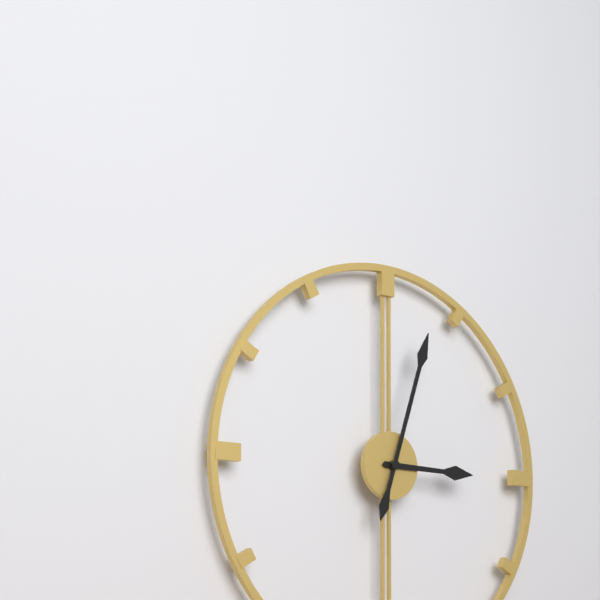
{"hour": 3, "minute": 3}
